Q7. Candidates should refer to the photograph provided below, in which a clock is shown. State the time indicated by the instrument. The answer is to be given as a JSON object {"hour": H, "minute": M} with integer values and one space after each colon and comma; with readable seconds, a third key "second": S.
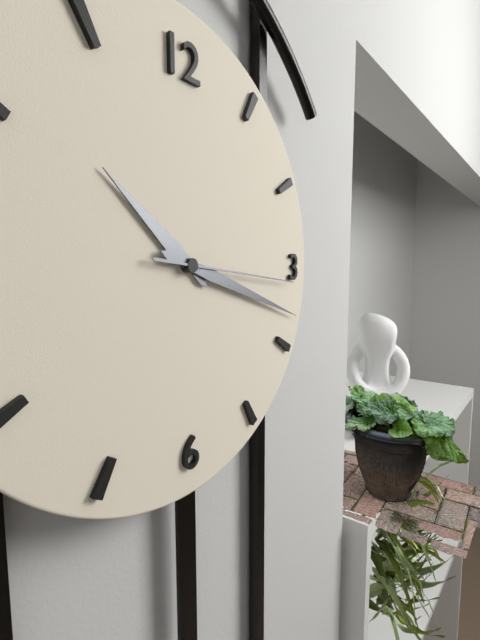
{"hour": 10, "minute": 18, "second": 16}
